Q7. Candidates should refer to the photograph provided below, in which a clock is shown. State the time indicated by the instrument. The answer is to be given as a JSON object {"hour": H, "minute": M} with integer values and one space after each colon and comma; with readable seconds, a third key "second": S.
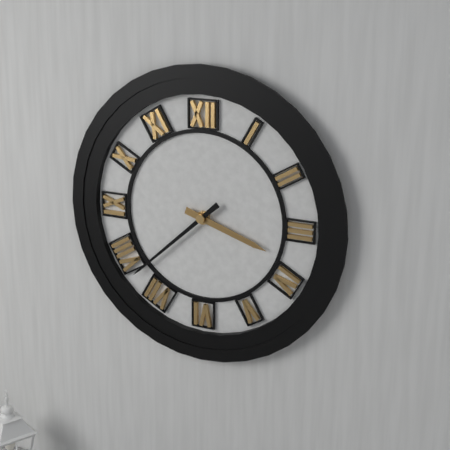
{"hour": 3, "minute": 38}
